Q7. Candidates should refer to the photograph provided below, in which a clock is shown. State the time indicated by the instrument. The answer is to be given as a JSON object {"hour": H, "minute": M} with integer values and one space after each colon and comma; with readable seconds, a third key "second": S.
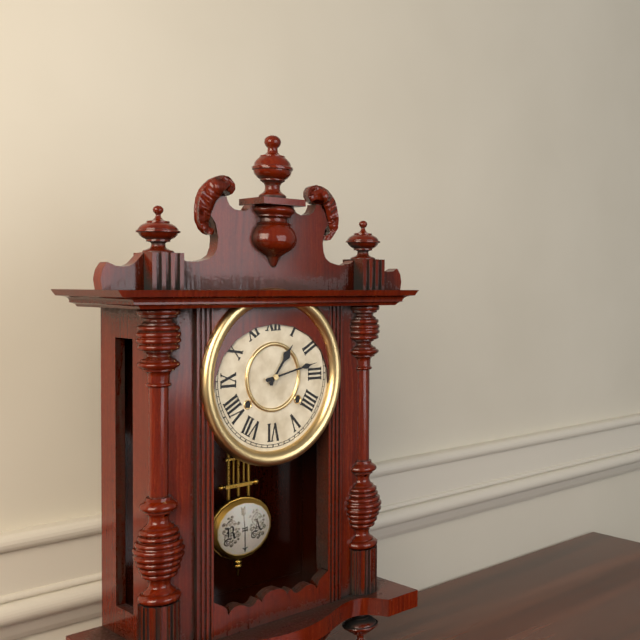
{"hour": 1, "minute": 13}
